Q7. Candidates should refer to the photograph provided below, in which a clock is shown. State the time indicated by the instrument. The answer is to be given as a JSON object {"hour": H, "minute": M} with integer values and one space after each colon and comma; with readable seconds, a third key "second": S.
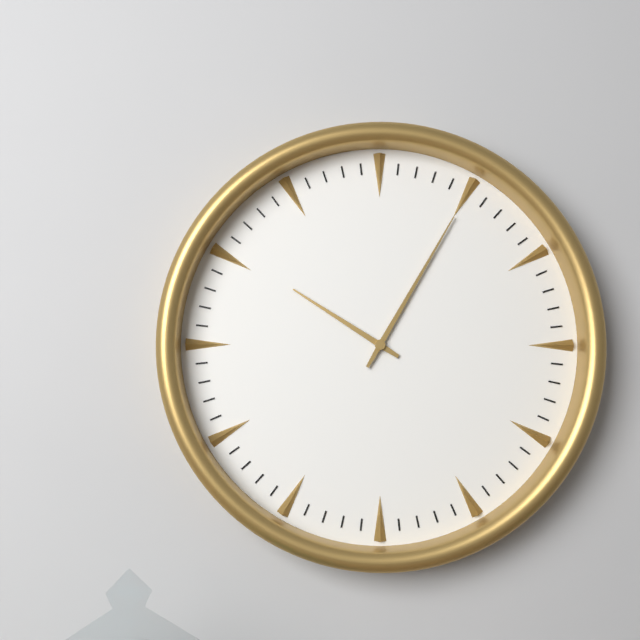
{"hour": 10, "minute": 5}
